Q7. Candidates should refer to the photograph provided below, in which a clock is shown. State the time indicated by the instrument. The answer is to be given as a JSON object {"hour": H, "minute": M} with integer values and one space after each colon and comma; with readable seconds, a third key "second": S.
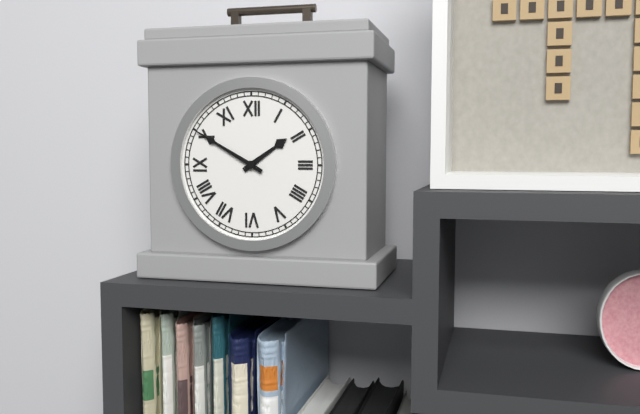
{"hour": 1, "minute": 50}
